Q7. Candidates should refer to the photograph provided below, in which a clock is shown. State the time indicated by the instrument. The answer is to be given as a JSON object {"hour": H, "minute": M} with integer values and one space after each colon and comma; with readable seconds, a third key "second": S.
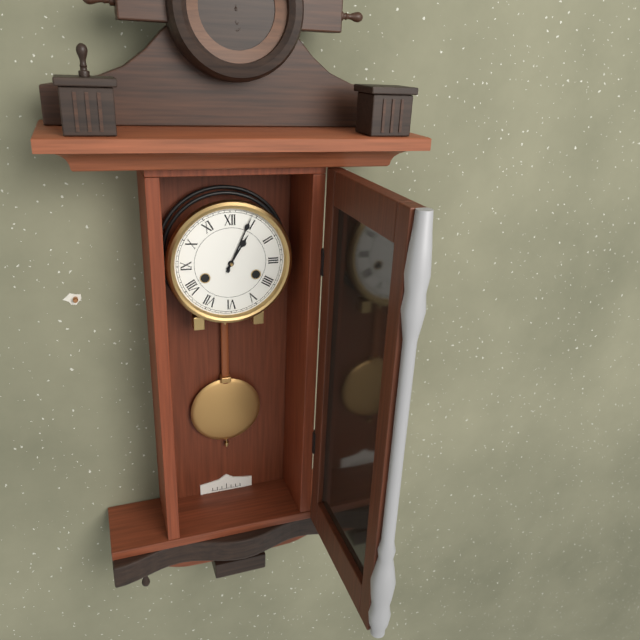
{"hour": 1, "minute": 4}
